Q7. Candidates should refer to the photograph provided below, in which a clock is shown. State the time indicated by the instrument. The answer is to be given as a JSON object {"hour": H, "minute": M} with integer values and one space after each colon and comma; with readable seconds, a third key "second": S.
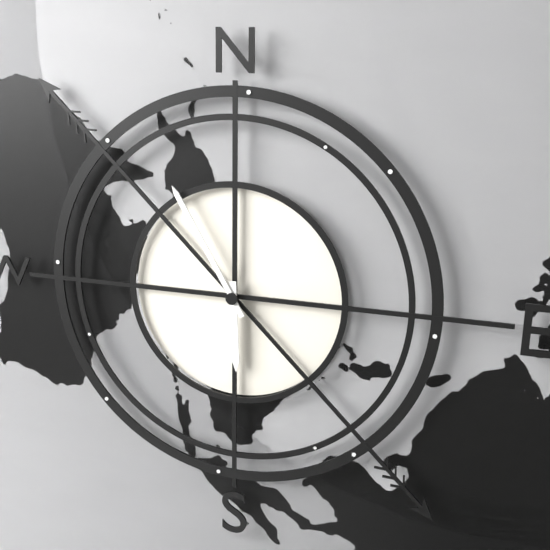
{"hour": 5, "minute": 55}
